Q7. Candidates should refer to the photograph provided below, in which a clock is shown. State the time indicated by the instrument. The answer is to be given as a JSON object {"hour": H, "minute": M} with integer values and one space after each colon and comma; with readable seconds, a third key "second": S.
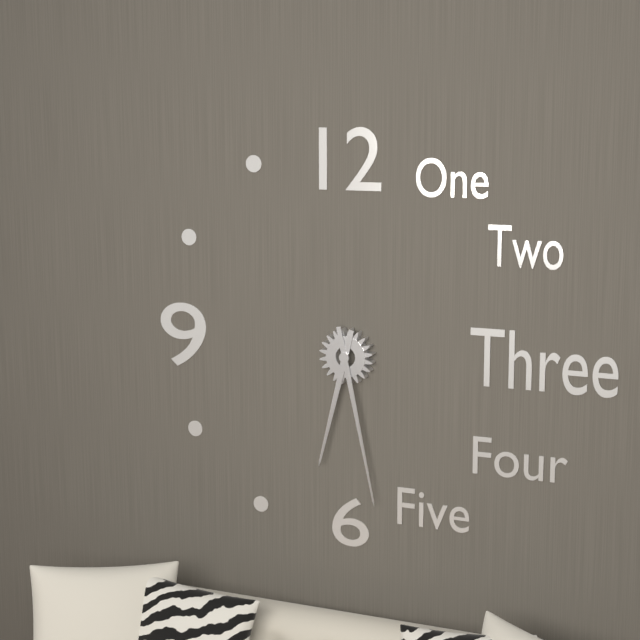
{"hour": 6, "minute": 28}
